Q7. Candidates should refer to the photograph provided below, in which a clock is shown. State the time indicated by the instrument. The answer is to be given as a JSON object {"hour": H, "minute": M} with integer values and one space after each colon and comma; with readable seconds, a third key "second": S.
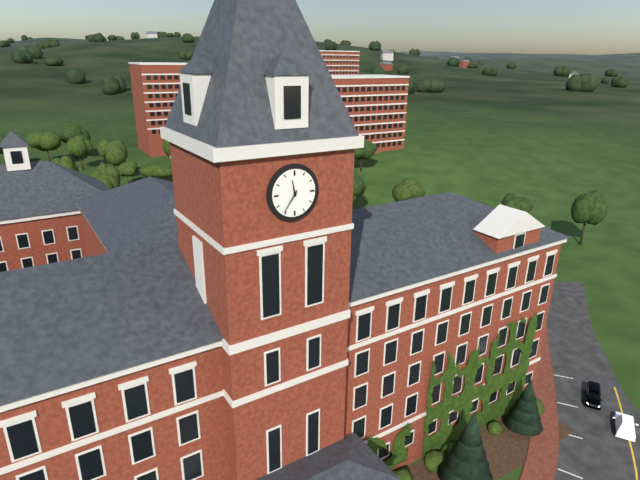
{"hour": 11, "minute": 36}
